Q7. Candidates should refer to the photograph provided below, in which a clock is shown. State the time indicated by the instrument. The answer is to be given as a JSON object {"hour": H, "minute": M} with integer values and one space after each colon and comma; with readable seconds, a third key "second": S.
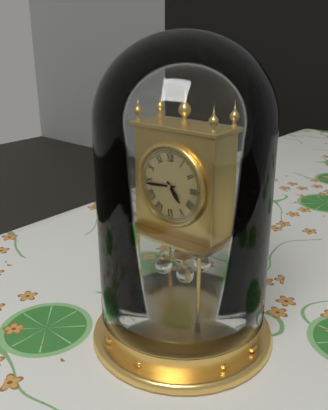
{"hour": 4, "minute": 44}
